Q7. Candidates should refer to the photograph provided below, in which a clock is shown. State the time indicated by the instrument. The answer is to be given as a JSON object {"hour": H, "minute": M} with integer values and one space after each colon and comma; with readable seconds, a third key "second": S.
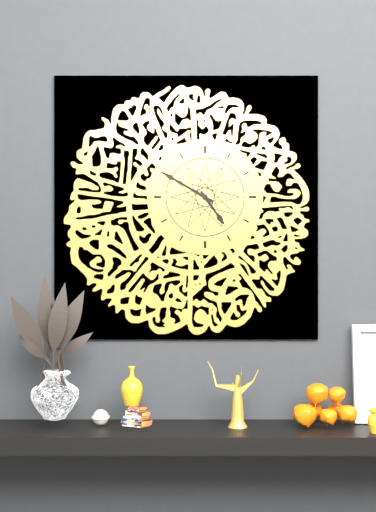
{"hour": 4, "minute": 50}
